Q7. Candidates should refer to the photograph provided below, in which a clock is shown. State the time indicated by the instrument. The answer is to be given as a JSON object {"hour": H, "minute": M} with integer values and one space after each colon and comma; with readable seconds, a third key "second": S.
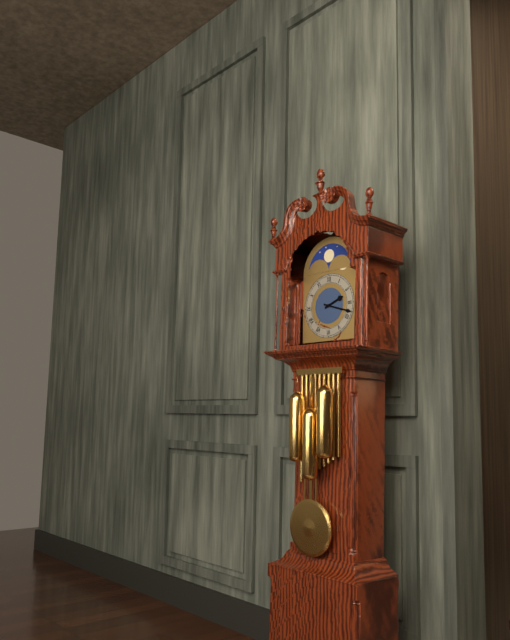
{"hour": 2, "minute": 18}
